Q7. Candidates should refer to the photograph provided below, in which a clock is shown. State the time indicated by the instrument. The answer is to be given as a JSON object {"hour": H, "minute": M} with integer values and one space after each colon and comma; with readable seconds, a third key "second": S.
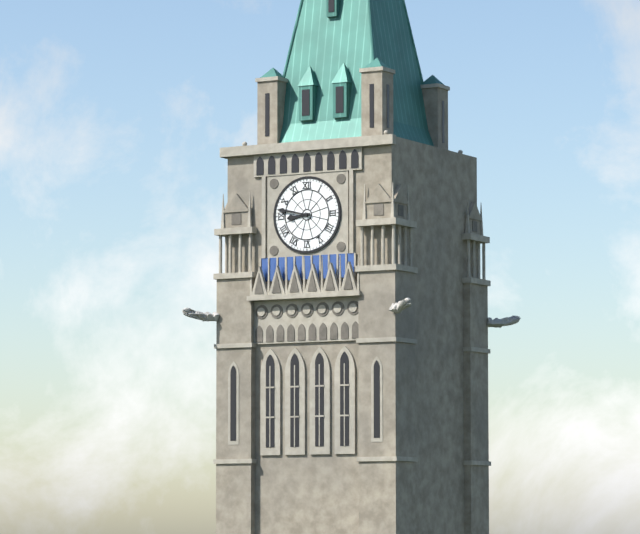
{"hour": 8, "minute": 47}
